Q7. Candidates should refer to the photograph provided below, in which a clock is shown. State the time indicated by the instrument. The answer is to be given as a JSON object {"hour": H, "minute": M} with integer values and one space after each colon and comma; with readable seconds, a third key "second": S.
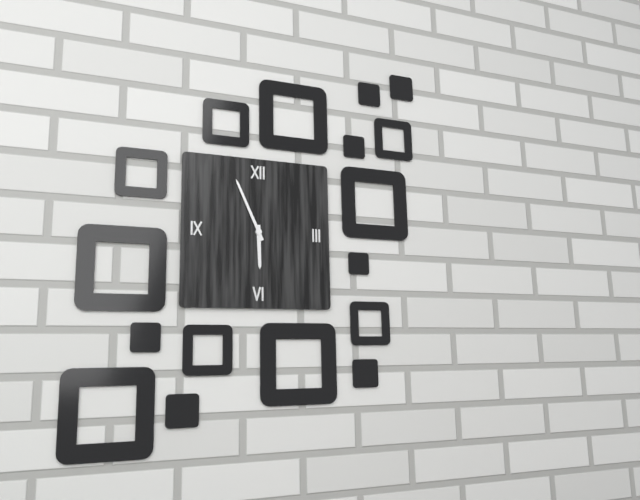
{"hour": 5, "minute": 56}
